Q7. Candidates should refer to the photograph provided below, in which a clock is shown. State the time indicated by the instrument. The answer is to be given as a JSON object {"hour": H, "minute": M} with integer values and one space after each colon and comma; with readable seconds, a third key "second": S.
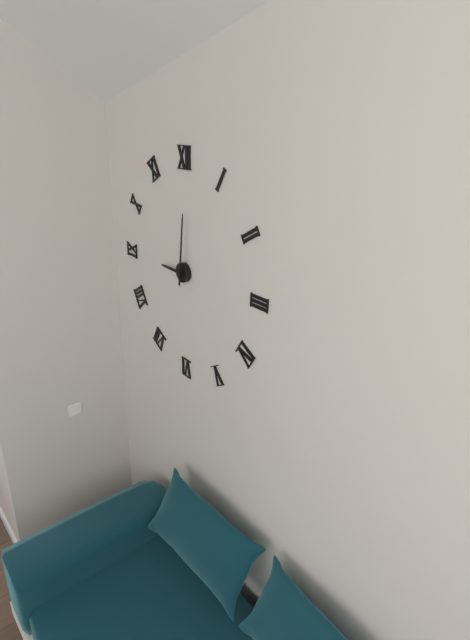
{"hour": 9, "minute": 1}
